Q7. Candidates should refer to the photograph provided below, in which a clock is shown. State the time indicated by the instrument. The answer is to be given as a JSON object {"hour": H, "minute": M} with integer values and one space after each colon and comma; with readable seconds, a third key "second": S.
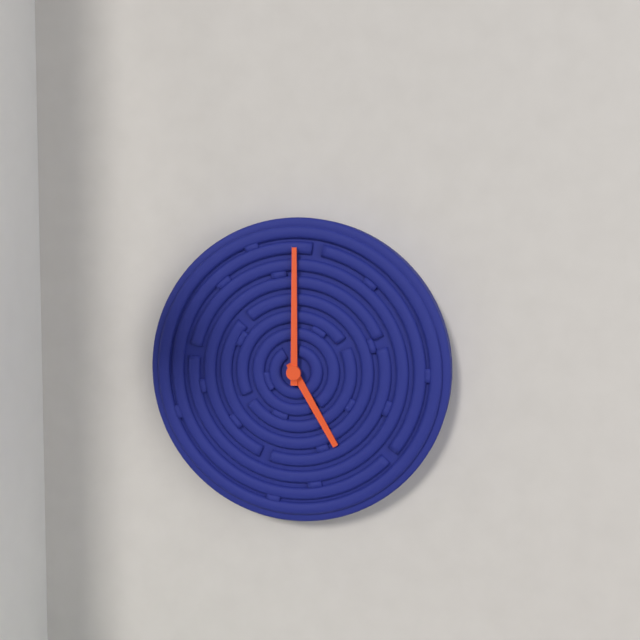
{"hour": 5, "minute": 0}
